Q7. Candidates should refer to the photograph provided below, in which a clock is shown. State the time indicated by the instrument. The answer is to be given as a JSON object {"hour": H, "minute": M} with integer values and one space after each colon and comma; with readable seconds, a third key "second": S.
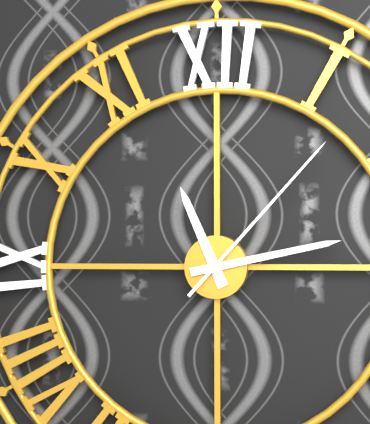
{"hour": 11, "minute": 13, "second": 7}
